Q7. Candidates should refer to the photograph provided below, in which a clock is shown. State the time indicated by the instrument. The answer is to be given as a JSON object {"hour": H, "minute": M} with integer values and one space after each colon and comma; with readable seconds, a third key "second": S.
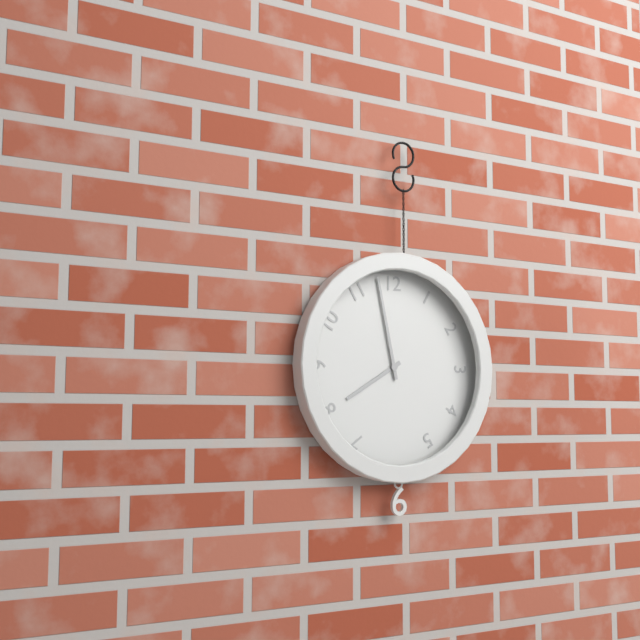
{"hour": 7, "minute": 58}
